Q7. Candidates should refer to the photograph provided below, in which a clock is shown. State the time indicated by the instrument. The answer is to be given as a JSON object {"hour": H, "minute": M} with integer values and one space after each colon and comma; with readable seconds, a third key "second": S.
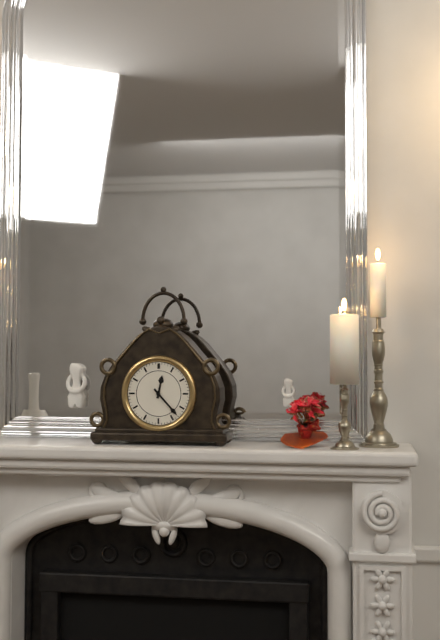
{"hour": 12, "minute": 23}
